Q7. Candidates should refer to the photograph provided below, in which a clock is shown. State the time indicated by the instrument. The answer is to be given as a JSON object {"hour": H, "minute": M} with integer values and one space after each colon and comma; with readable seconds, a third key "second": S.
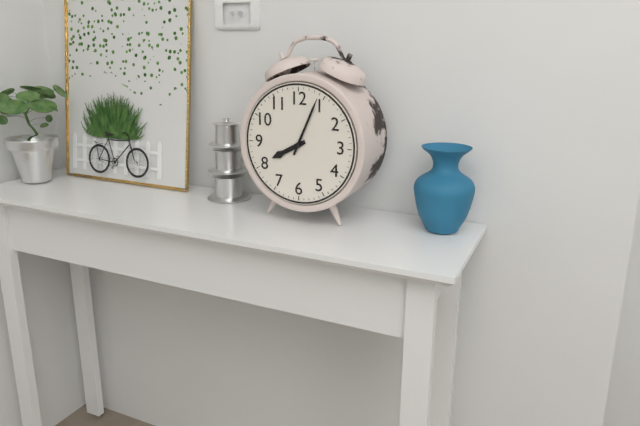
{"hour": 8, "minute": 4}
